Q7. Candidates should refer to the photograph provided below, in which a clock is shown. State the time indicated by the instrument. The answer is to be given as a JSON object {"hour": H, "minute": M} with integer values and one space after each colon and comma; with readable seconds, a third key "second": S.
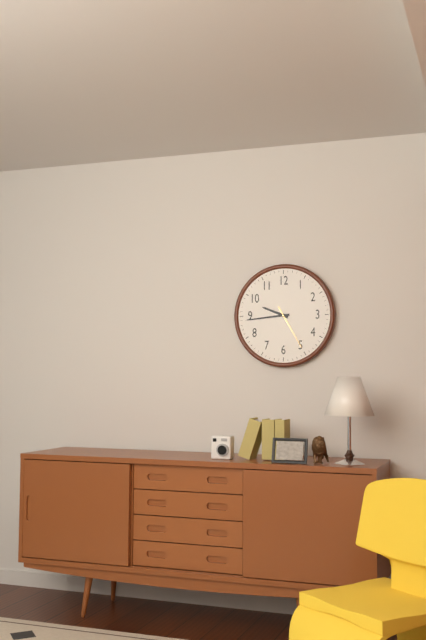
{"hour": 9, "minute": 44}
